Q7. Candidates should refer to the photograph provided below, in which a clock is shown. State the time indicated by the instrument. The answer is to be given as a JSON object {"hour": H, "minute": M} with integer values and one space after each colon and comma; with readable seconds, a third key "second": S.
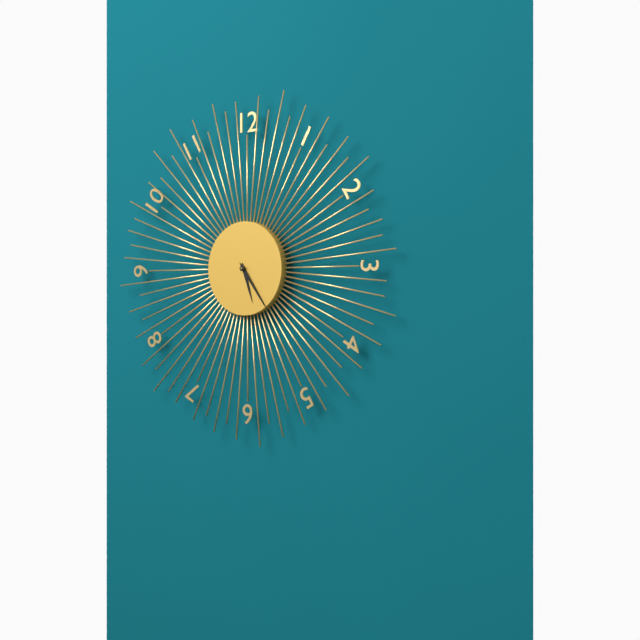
{"hour": 5, "minute": 24}
